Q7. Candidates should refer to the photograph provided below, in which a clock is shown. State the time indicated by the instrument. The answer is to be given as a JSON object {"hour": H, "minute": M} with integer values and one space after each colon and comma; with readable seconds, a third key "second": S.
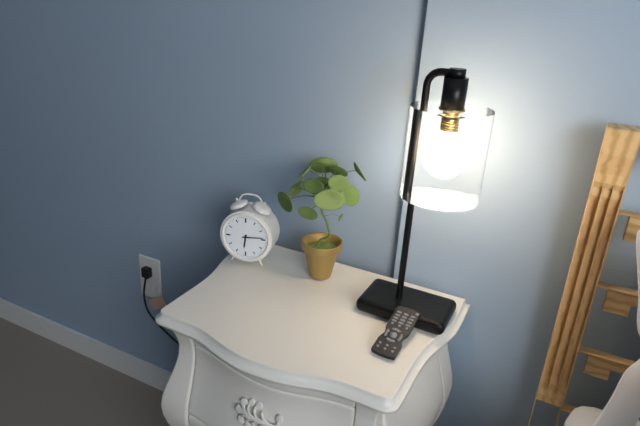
{"hour": 6, "minute": 14}
